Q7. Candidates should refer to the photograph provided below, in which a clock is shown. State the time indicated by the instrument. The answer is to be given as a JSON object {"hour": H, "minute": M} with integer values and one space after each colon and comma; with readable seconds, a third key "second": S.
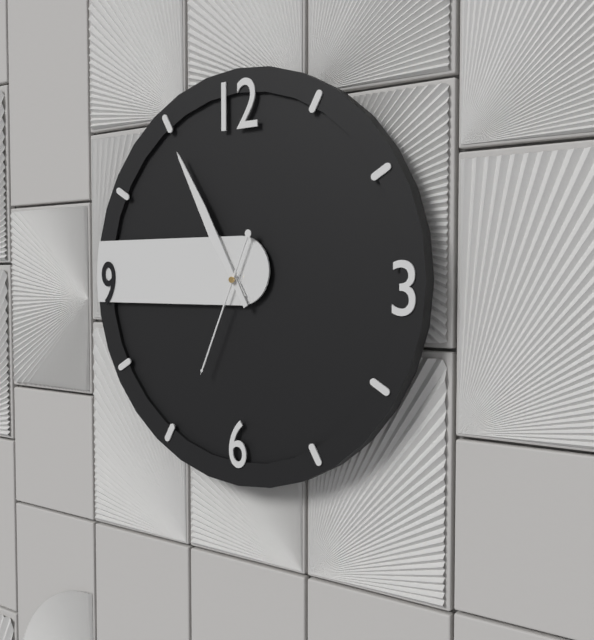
{"hour": 10, "minute": 55, "second": 34}
